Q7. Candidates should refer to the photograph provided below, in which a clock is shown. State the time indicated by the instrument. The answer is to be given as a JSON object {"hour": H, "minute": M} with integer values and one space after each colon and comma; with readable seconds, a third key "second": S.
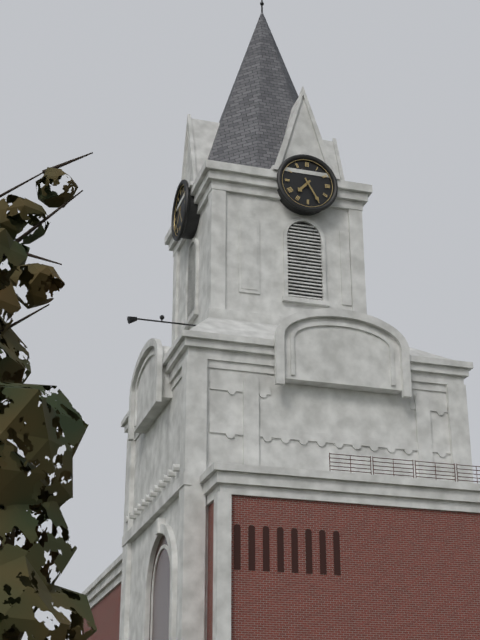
{"hour": 7, "minute": 25}
